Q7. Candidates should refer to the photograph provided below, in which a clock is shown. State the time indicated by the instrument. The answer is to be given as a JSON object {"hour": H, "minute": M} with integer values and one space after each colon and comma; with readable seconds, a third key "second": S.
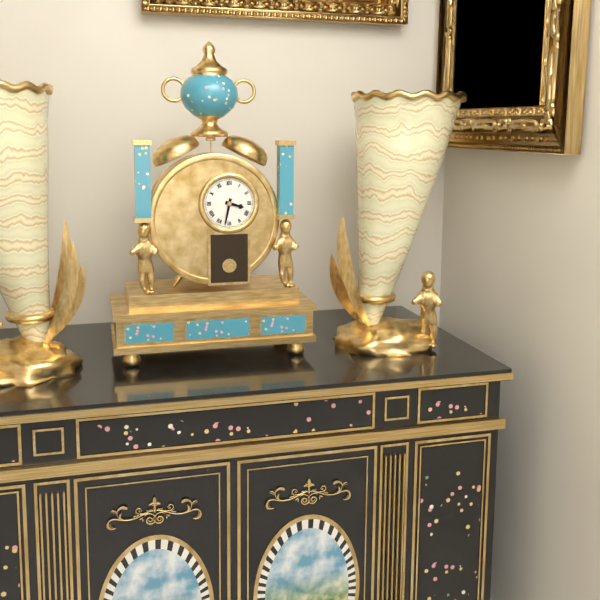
{"hour": 3, "minute": 32}
